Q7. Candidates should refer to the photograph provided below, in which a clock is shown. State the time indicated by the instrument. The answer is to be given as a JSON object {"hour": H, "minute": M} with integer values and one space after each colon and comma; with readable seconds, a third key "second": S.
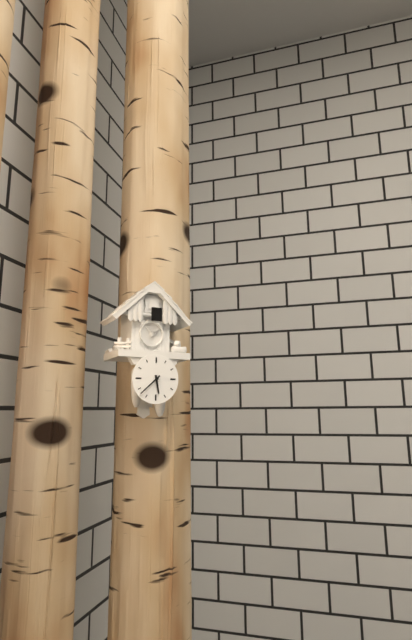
{"hour": 5, "minute": 38}
